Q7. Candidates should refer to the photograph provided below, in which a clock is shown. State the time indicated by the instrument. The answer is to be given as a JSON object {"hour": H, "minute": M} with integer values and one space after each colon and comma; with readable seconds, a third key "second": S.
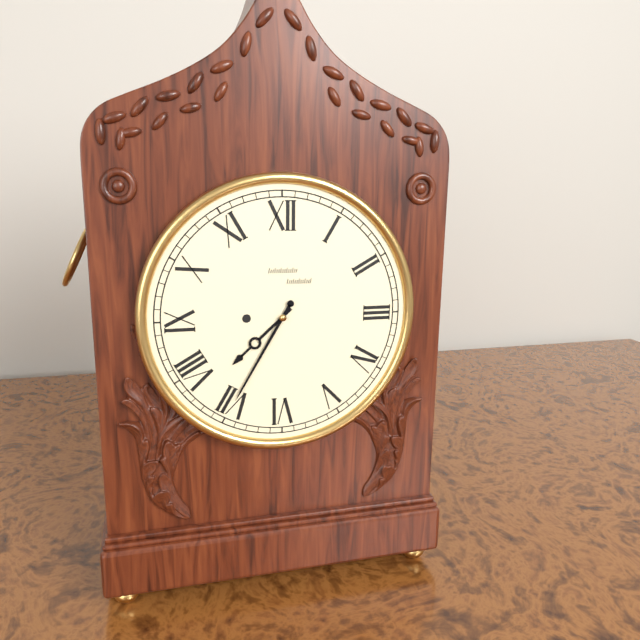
{"hour": 7, "minute": 35}
